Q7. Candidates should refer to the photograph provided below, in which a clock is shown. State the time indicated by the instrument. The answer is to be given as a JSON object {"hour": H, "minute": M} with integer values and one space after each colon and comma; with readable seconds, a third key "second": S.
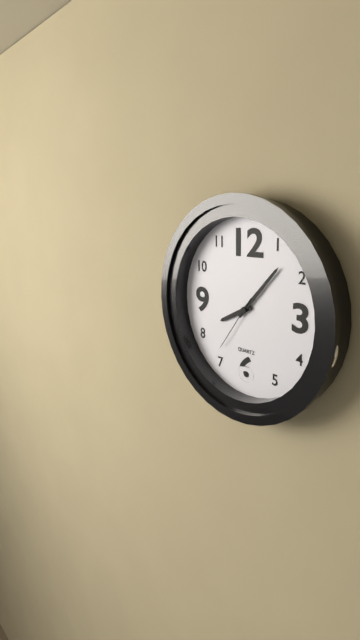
{"hour": 8, "minute": 7, "second": 36}
